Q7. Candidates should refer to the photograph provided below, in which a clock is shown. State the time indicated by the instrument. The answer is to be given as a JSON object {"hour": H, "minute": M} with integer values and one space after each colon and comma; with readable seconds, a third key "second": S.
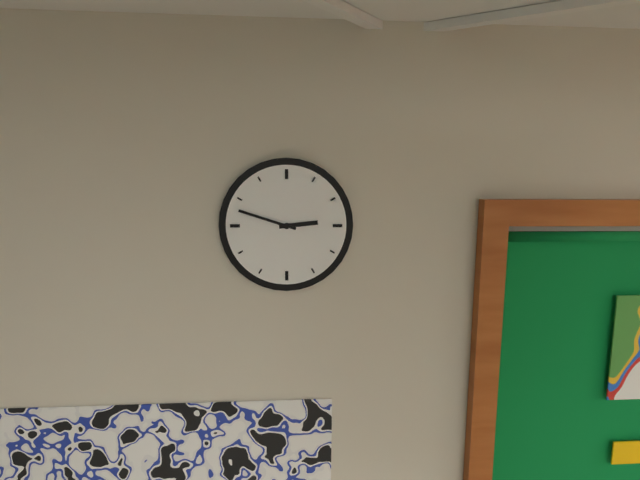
{"hour": 2, "minute": 48}
